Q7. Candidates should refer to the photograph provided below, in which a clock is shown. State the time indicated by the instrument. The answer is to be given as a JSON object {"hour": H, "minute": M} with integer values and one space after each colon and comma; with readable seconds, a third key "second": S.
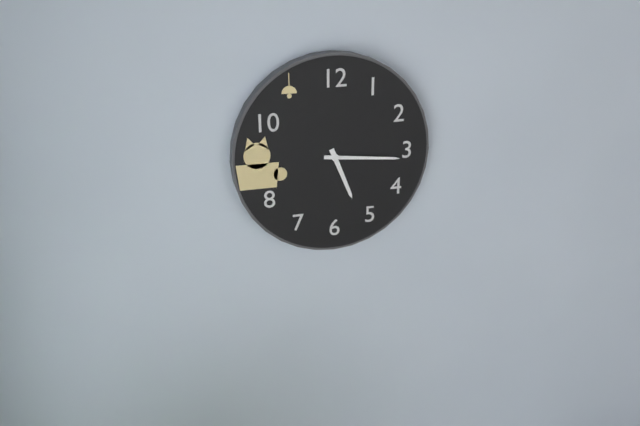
{"hour": 5, "minute": 16}
